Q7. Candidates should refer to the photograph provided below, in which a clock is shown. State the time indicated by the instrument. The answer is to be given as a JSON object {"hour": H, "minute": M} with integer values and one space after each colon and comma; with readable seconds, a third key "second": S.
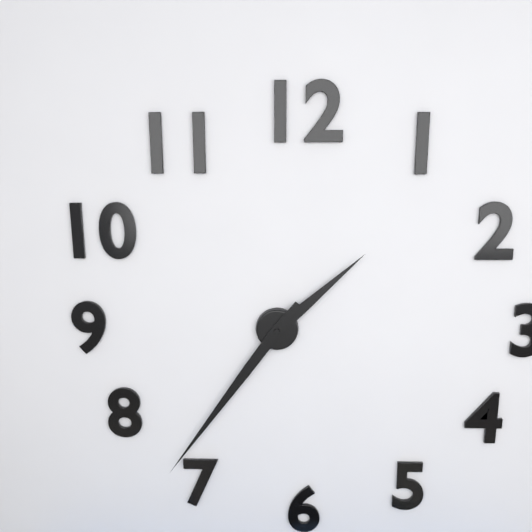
{"hour": 1, "minute": 36}
